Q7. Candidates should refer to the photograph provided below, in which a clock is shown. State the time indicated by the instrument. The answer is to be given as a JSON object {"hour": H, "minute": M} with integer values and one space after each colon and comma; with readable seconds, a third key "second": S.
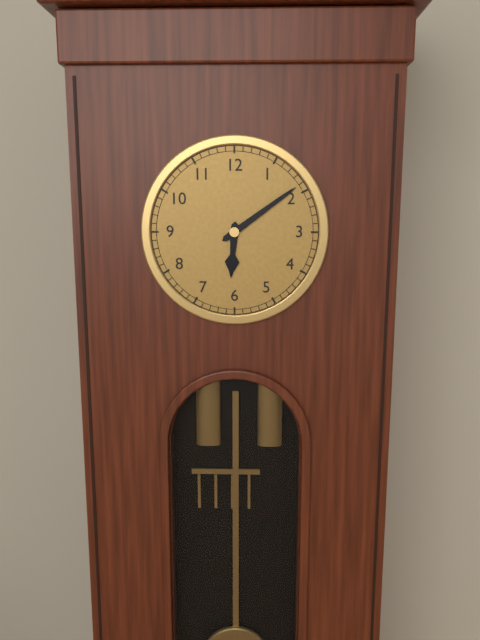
{"hour": 6, "minute": 9}
